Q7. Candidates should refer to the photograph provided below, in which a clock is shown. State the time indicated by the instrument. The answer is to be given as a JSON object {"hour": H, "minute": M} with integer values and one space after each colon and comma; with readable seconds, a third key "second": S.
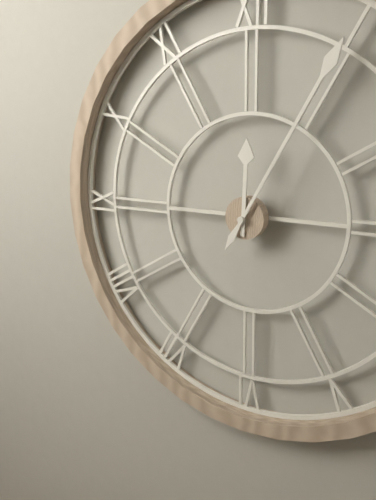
{"hour": 12, "minute": 5}
